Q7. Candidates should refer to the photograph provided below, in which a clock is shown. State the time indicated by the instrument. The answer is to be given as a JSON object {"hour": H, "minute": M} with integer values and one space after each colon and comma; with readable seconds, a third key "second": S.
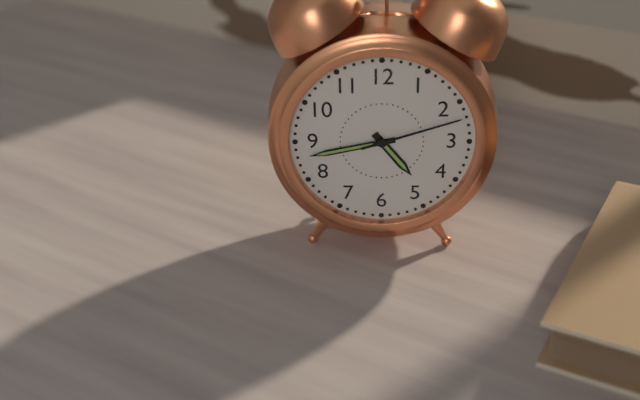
{"hour": 4, "minute": 43, "second": 12}
